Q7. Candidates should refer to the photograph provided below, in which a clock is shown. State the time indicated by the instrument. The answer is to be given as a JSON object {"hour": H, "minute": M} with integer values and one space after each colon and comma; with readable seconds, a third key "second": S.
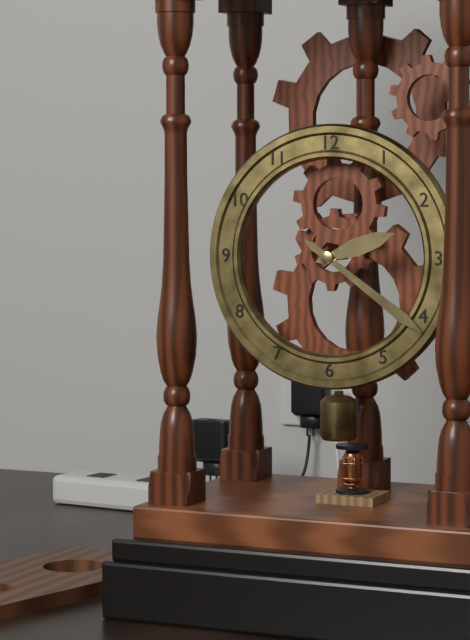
{"hour": 2, "minute": 21}
